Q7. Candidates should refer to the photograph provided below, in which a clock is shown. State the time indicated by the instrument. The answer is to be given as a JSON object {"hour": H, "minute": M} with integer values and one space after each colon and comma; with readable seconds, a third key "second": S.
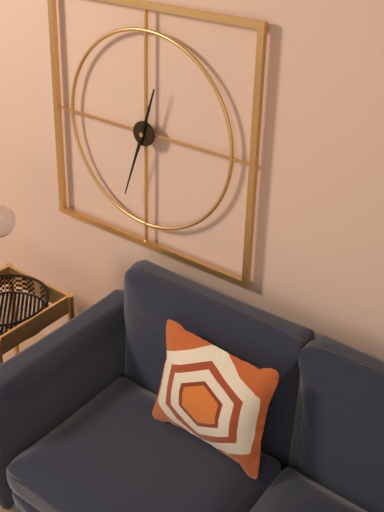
{"hour": 12, "minute": 33}
